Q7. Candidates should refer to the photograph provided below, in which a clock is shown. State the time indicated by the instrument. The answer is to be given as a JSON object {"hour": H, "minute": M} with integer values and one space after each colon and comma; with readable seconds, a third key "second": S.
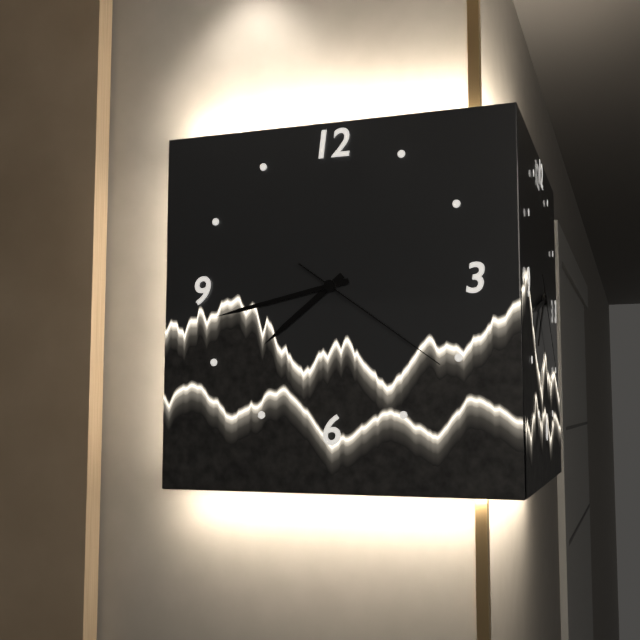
{"hour": 7, "minute": 43, "second": 21}
